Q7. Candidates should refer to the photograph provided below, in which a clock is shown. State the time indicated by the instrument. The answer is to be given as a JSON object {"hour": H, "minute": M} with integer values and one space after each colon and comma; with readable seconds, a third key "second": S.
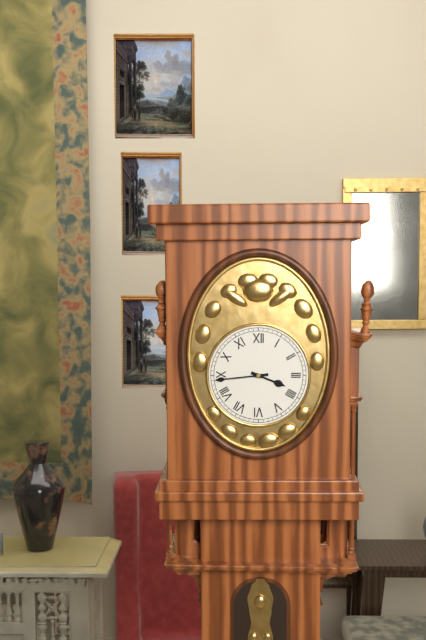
{"hour": 3, "minute": 44}
